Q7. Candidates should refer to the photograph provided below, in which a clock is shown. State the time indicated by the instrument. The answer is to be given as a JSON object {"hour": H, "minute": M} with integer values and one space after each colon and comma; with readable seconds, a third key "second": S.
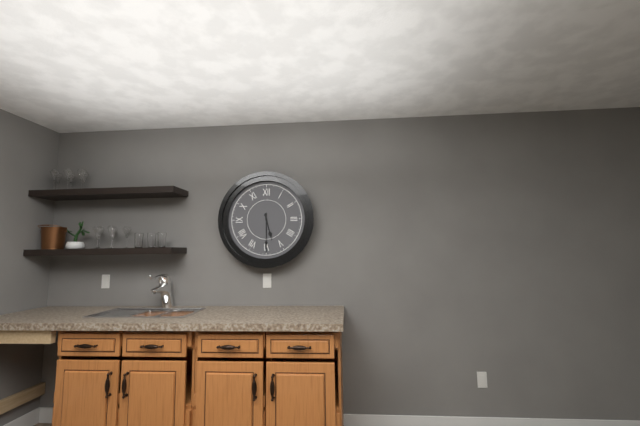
{"hour": 5, "minute": 30}
